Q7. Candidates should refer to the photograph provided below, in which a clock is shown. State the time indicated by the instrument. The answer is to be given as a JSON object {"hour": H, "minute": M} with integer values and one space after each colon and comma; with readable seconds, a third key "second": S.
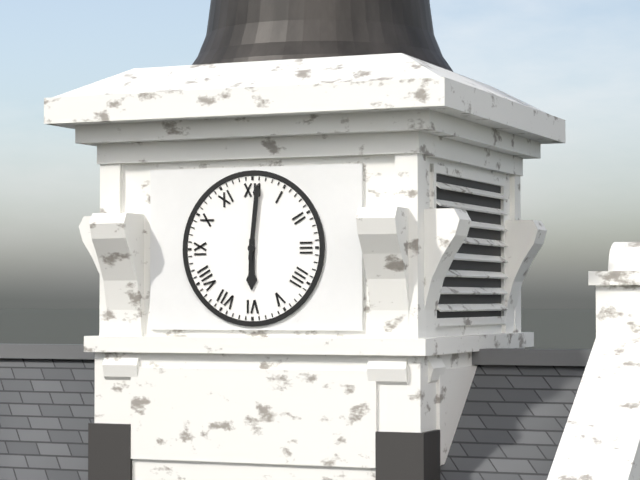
{"hour": 6, "minute": 1}
